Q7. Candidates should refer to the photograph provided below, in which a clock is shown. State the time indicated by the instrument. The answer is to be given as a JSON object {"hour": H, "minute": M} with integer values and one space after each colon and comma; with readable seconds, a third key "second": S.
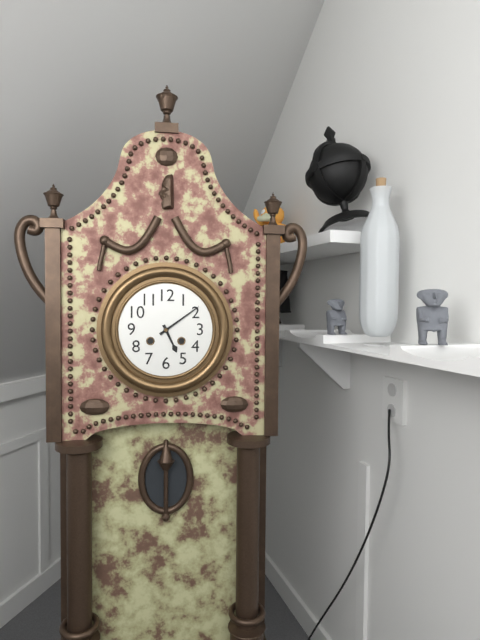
{"hour": 5, "minute": 9}
